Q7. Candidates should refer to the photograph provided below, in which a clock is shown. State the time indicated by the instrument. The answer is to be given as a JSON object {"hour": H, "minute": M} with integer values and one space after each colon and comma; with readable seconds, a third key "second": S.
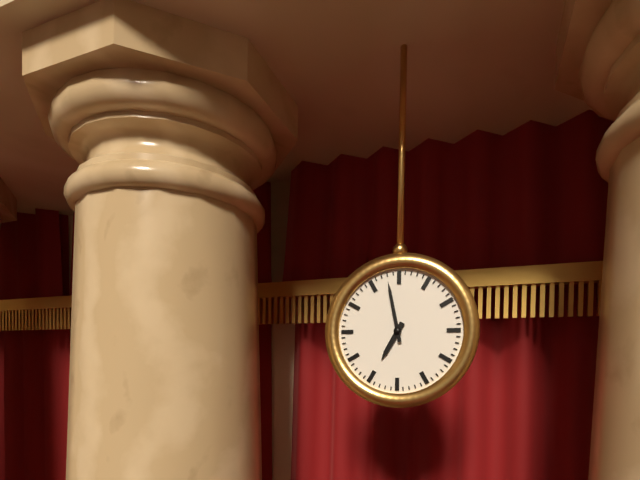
{"hour": 6, "minute": 58}
